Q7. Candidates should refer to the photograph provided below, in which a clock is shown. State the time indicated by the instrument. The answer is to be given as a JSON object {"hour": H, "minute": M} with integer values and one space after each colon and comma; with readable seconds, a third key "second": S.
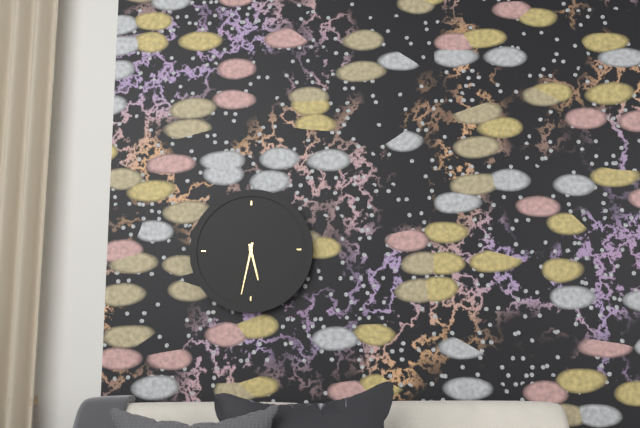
{"hour": 5, "minute": 32}
